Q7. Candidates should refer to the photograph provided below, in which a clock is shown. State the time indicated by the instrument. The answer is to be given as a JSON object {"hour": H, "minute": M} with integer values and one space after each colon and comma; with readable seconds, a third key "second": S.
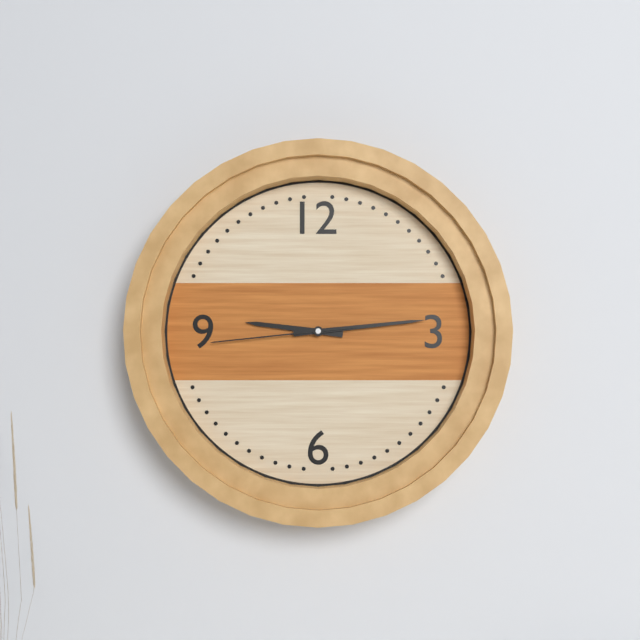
{"hour": 9, "minute": 14, "second": 44}
